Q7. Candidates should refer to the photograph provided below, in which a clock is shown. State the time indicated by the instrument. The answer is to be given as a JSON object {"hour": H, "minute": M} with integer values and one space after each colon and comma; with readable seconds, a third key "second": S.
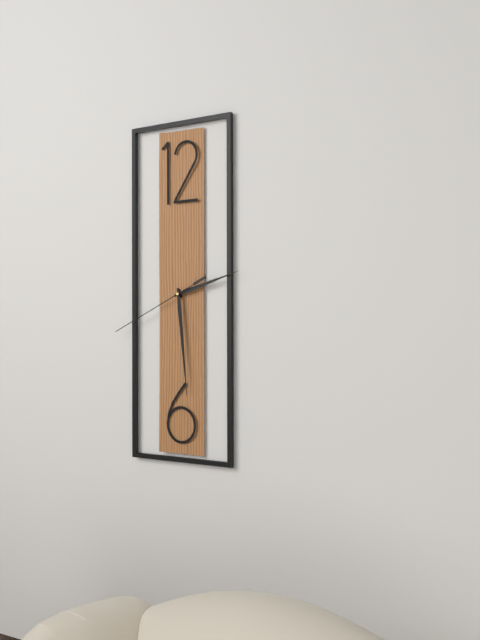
{"hour": 2, "minute": 29, "second": 41}
